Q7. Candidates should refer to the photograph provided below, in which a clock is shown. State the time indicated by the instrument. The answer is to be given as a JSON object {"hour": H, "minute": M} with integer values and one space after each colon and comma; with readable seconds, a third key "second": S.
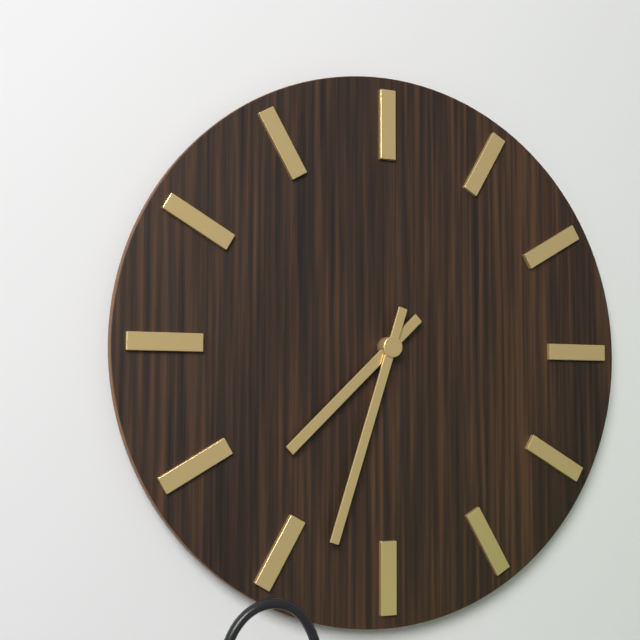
{"hour": 7, "minute": 33}
